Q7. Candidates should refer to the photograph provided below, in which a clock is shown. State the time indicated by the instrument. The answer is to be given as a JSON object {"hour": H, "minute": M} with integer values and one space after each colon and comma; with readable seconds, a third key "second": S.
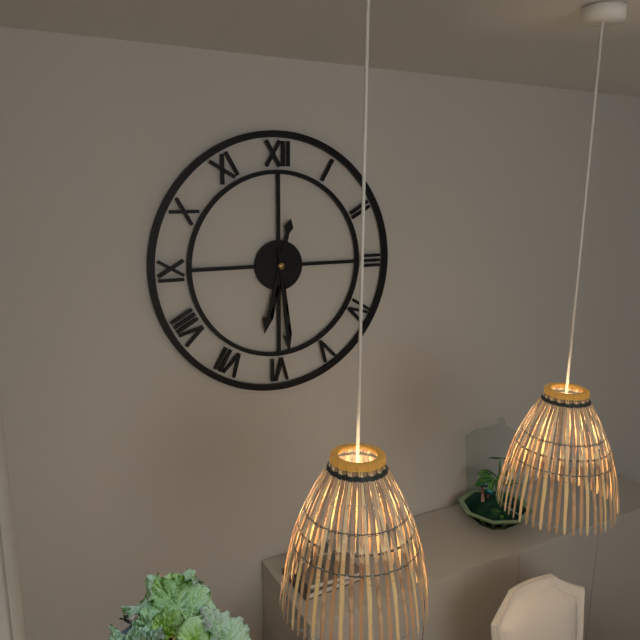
{"hour": 6, "minute": 29}
